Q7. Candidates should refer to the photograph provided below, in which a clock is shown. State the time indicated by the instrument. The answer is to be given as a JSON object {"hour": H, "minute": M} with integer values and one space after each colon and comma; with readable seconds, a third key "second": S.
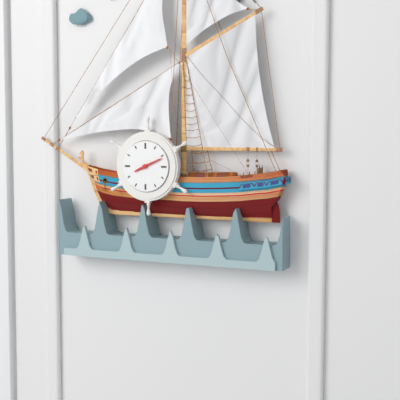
{"hour": 8, "minute": 11}
